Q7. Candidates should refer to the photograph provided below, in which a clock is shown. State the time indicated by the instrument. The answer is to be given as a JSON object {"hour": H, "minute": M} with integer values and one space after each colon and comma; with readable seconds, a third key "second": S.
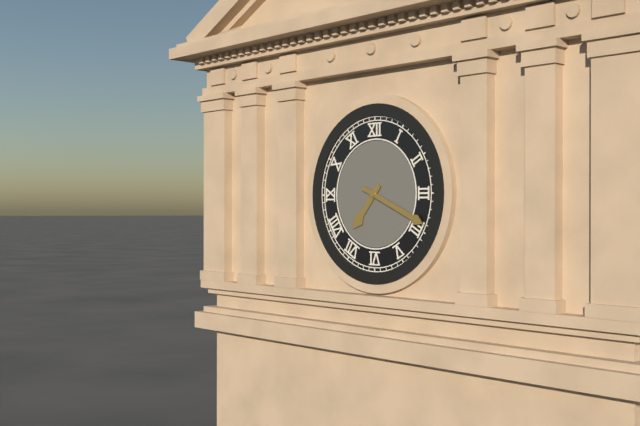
{"hour": 7, "minute": 19}
